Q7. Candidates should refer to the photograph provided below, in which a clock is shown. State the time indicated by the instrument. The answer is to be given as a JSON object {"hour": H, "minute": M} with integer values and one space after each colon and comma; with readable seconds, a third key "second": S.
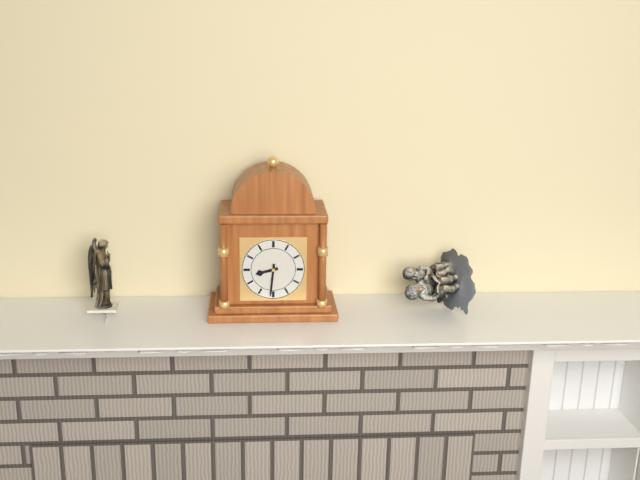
{"hour": 8, "minute": 31}
